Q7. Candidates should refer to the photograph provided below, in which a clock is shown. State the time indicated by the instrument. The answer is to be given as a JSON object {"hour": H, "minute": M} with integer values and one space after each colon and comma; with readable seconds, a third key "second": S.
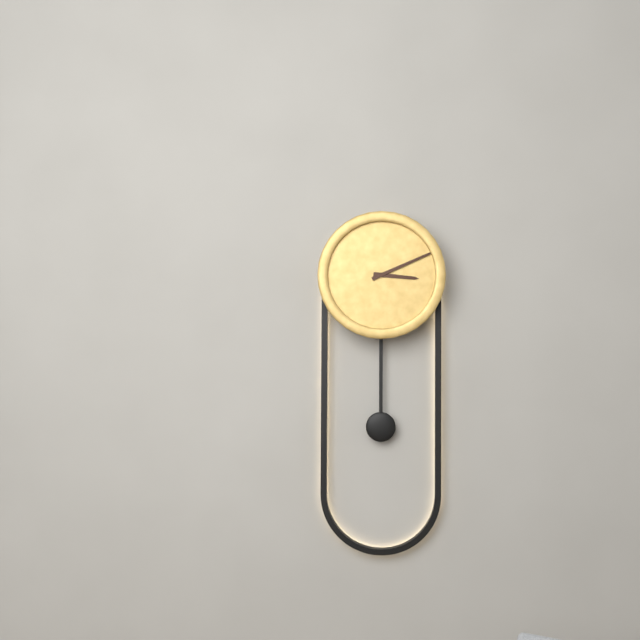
{"hour": 3, "minute": 11}
